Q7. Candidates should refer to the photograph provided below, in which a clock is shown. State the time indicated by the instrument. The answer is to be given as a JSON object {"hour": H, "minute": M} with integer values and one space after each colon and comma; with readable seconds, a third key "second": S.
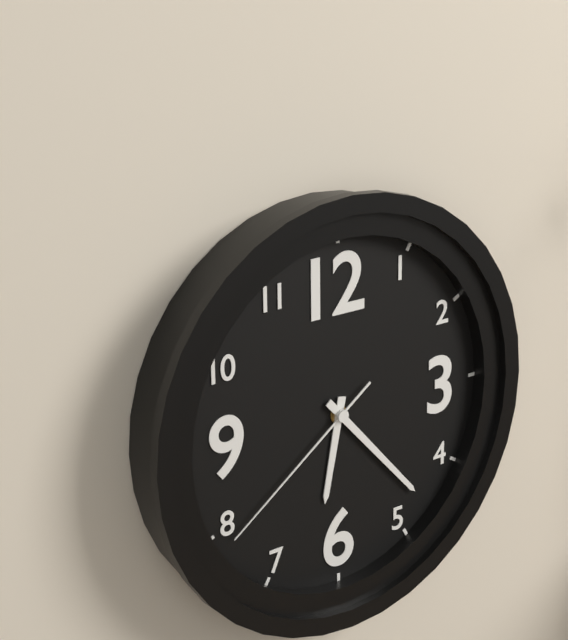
{"hour": 6, "minute": 23, "second": 39}
